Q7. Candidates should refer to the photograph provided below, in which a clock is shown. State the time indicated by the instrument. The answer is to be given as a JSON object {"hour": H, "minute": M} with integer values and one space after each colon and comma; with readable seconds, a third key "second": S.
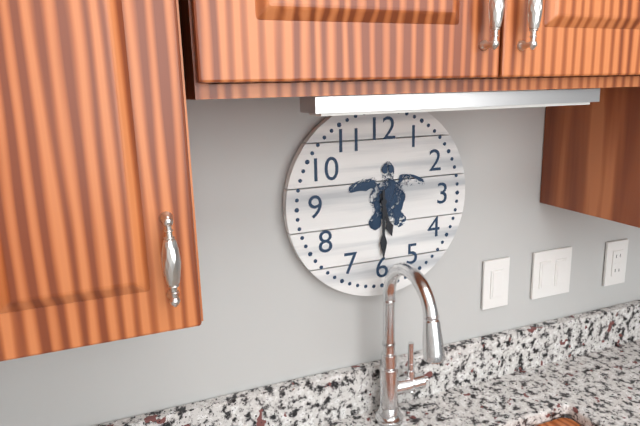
{"hour": 5, "minute": 30}
